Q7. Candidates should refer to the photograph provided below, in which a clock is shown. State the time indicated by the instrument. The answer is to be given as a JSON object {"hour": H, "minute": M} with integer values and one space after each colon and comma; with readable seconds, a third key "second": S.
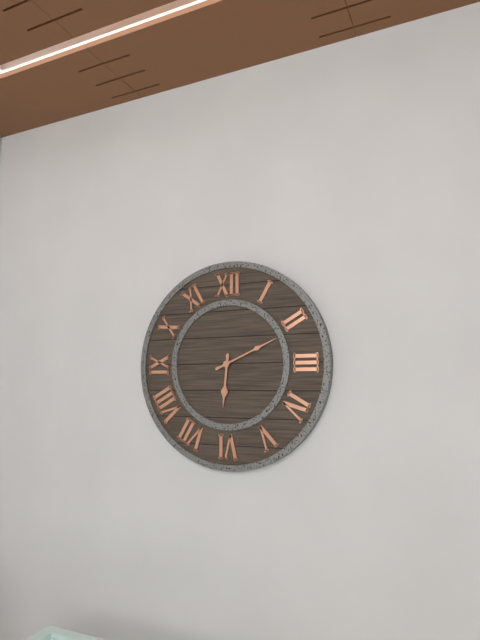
{"hour": 6, "minute": 11}
